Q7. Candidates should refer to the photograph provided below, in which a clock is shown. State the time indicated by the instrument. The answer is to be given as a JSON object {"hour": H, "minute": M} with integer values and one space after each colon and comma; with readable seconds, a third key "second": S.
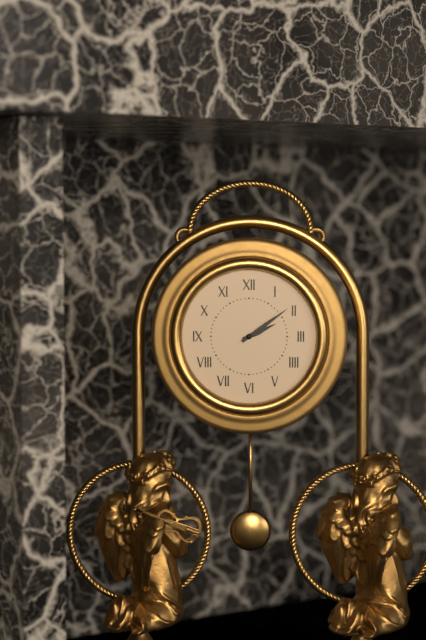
{"hour": 2, "minute": 9}
